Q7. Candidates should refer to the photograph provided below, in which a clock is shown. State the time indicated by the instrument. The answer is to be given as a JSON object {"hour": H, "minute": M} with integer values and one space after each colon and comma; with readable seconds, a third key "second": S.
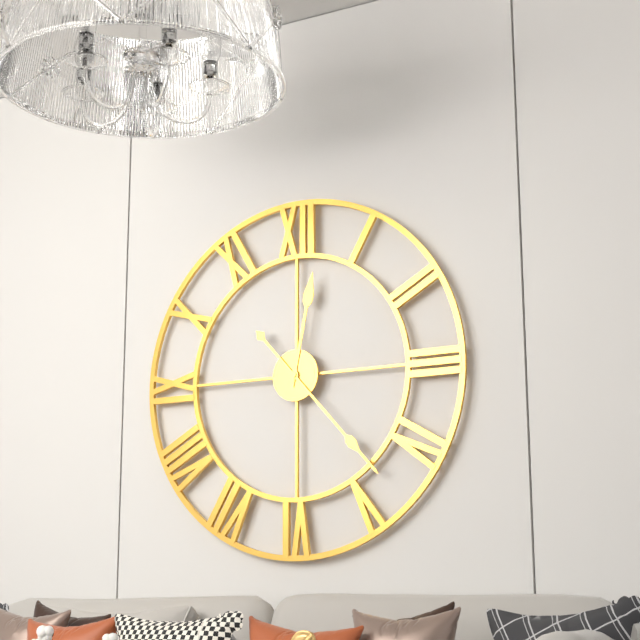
{"hour": 12, "minute": 23}
